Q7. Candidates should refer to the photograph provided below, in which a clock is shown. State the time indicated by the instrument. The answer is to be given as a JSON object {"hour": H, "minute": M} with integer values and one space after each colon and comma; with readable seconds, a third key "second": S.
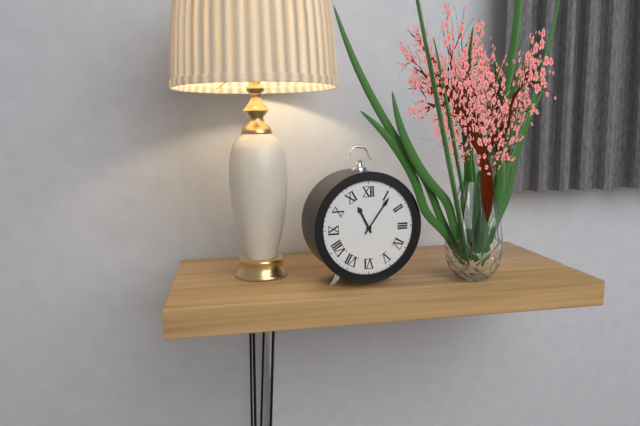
{"hour": 11, "minute": 6}
